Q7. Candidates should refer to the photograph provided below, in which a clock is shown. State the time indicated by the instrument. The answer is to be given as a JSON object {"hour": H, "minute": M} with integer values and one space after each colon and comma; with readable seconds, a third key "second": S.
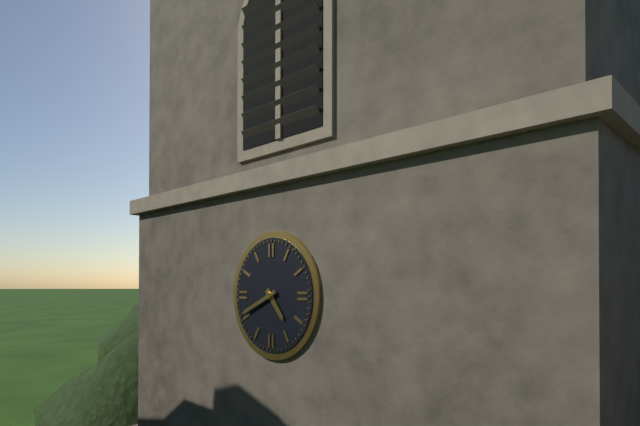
{"hour": 4, "minute": 41}
